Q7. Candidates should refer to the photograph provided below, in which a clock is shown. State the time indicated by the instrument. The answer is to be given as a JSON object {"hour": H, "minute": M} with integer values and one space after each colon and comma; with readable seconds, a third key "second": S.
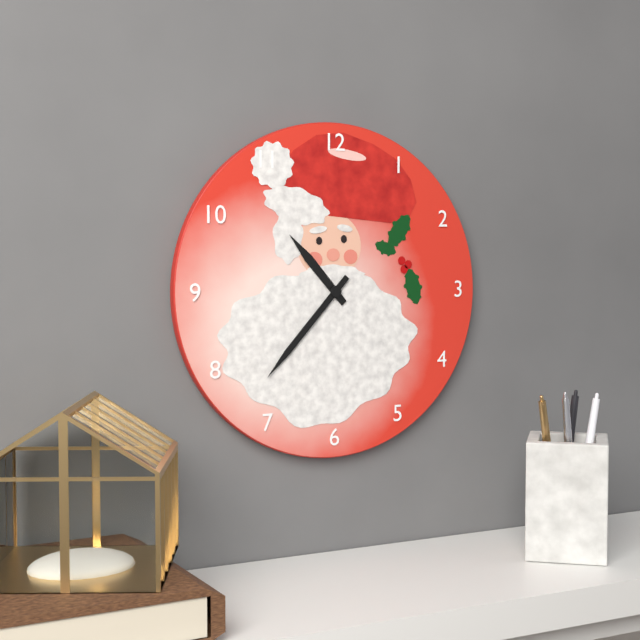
{"hour": 10, "minute": 37}
